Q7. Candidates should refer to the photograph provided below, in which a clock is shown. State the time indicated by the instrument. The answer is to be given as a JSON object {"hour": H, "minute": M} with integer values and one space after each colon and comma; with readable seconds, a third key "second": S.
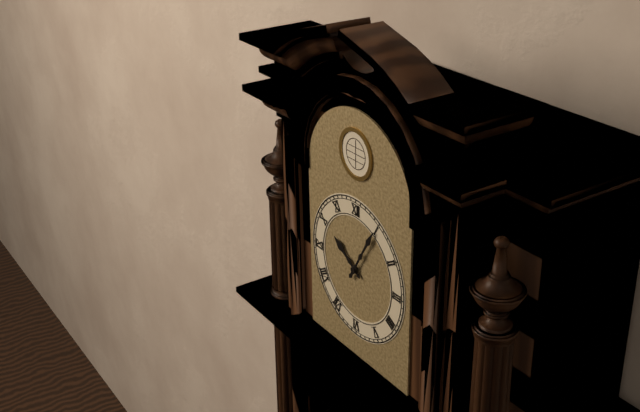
{"hour": 10, "minute": 5}
